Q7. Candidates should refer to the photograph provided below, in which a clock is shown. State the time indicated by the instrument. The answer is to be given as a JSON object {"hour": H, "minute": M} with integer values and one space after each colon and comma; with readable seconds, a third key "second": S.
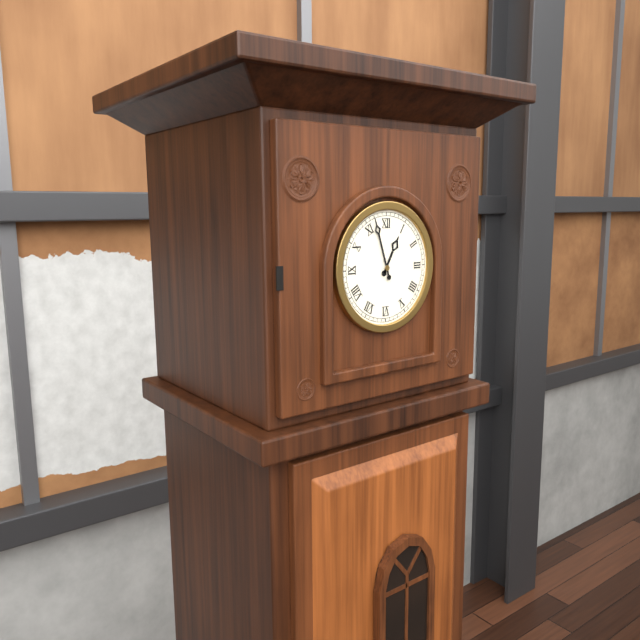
{"hour": 12, "minute": 57}
